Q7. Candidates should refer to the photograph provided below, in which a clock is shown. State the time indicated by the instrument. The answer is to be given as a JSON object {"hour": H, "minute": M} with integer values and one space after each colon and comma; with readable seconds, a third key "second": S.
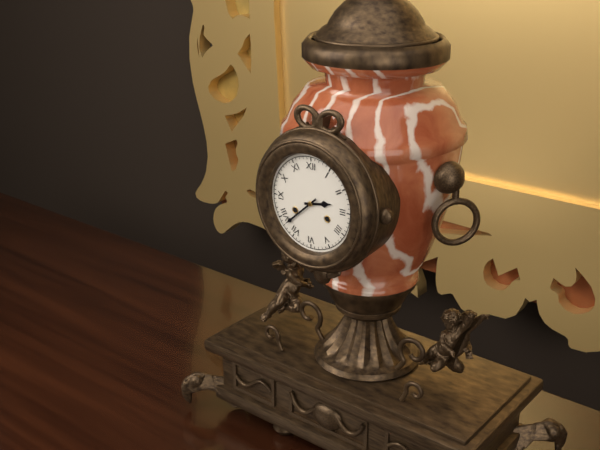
{"hour": 2, "minute": 38}
